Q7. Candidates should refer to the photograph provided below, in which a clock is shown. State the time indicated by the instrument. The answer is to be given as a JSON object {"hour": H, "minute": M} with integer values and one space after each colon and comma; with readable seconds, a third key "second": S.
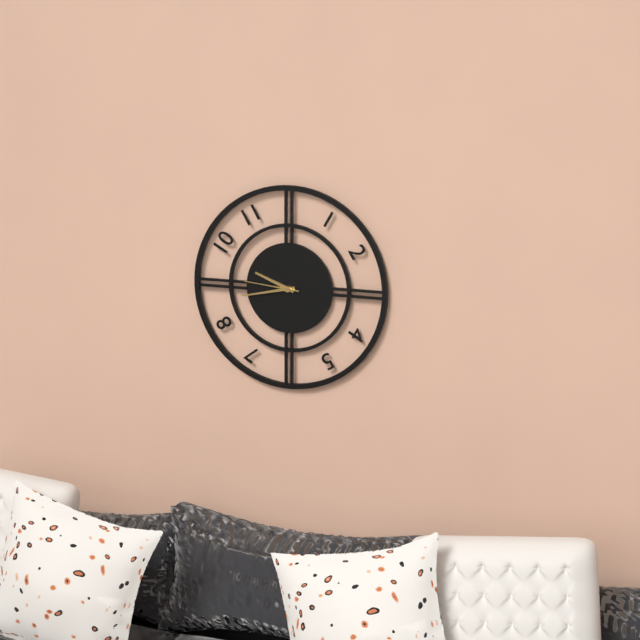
{"hour": 9, "minute": 43, "second": 46}
